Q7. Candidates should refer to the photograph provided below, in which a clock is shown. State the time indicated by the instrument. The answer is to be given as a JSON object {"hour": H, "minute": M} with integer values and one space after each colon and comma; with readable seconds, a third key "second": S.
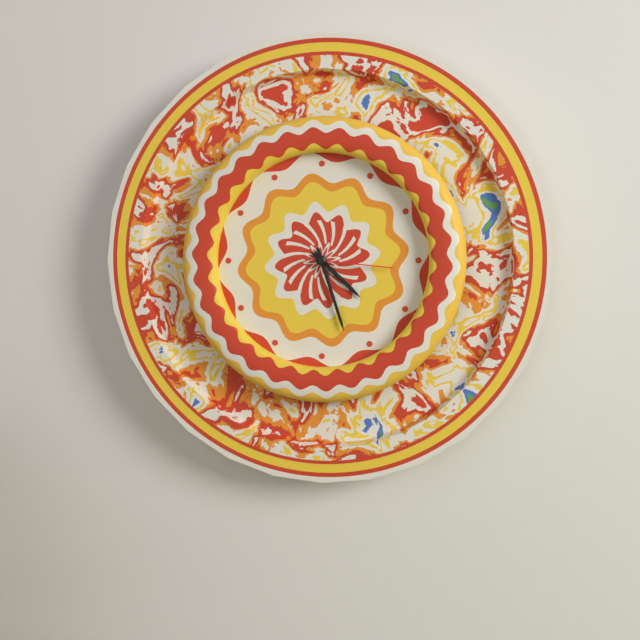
{"hour": 4, "minute": 27, "second": 16}
